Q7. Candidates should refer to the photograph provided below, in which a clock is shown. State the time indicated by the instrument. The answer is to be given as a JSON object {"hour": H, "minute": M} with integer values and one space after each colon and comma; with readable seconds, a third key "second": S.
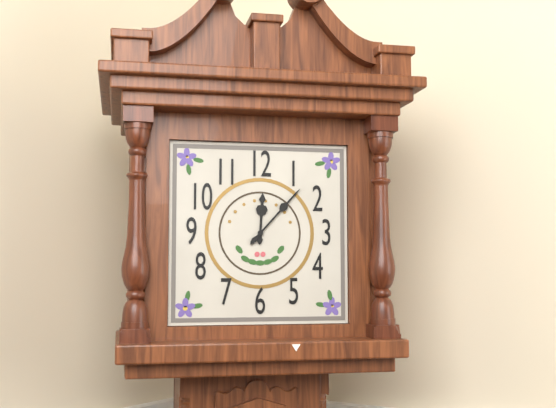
{"hour": 12, "minute": 7}
